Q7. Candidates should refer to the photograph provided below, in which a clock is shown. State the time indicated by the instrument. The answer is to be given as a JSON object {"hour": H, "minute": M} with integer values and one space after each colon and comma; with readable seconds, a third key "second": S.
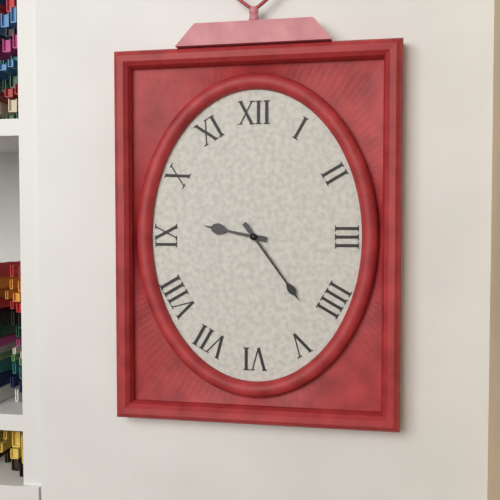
{"hour": 9, "minute": 24}
